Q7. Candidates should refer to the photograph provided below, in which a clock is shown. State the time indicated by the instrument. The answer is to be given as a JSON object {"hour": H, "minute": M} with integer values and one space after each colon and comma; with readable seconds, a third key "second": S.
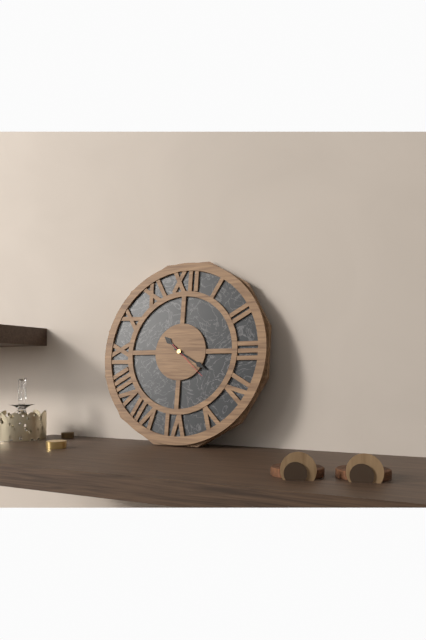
{"hour": 10, "minute": 20}
